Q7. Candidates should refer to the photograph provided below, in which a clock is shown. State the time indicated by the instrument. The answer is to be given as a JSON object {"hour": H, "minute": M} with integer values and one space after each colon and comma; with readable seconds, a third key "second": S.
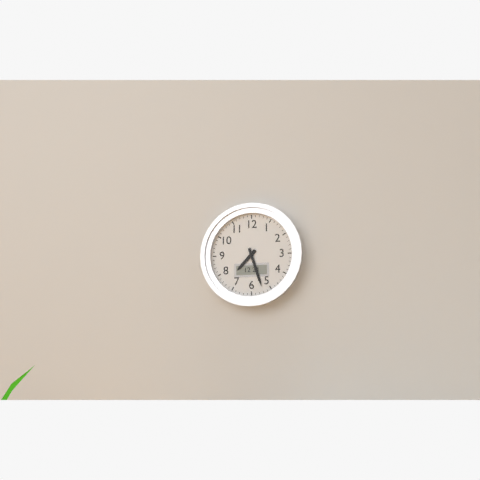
{"hour": 7, "minute": 27}
